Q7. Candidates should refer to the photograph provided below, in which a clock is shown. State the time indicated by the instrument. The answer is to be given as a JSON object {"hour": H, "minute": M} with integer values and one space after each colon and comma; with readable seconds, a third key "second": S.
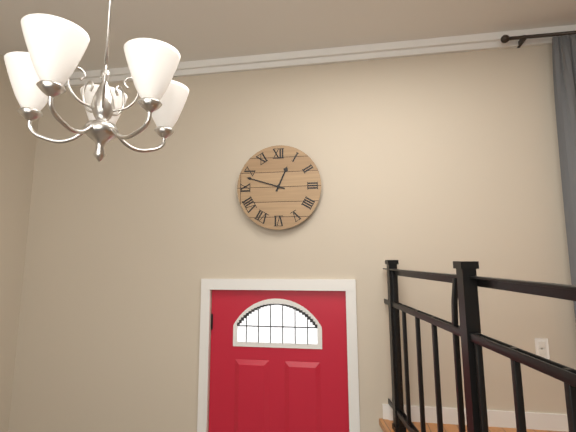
{"hour": 12, "minute": 48}
